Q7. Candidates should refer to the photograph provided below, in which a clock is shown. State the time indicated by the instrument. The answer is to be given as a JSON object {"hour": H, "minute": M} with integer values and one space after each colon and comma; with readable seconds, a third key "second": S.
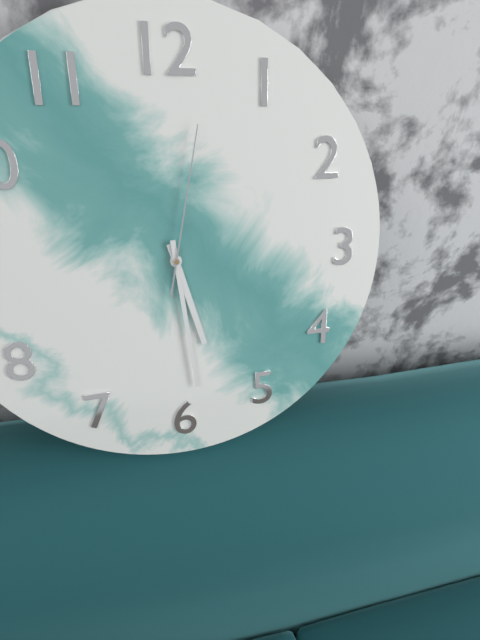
{"hour": 5, "minute": 29, "second": 2}
